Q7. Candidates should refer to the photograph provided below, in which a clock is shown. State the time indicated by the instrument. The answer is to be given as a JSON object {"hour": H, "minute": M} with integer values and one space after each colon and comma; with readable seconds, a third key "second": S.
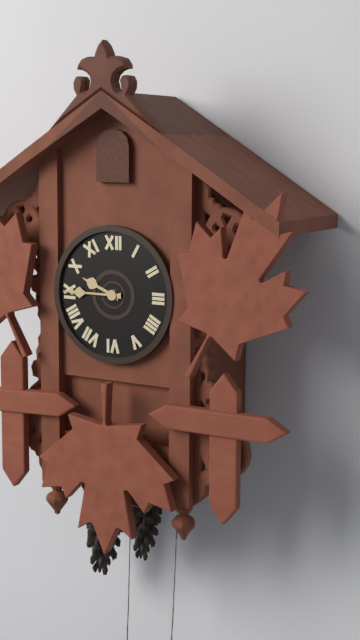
{"hour": 9, "minute": 45}
